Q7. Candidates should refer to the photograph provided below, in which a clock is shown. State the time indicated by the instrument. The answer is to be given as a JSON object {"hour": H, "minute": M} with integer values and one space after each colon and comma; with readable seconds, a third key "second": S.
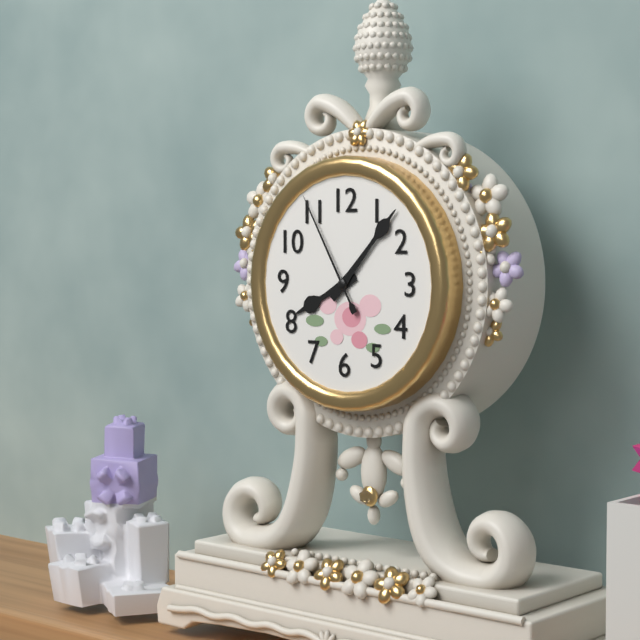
{"hour": 8, "minute": 7, "second": 55}
